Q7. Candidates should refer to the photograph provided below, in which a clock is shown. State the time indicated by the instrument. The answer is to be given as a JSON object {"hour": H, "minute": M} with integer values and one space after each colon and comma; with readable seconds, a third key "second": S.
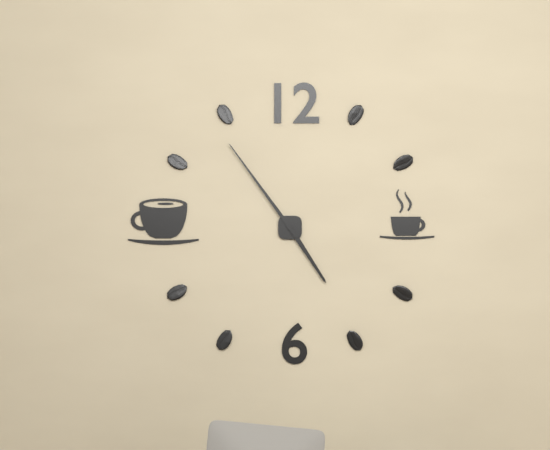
{"hour": 4, "minute": 54}
